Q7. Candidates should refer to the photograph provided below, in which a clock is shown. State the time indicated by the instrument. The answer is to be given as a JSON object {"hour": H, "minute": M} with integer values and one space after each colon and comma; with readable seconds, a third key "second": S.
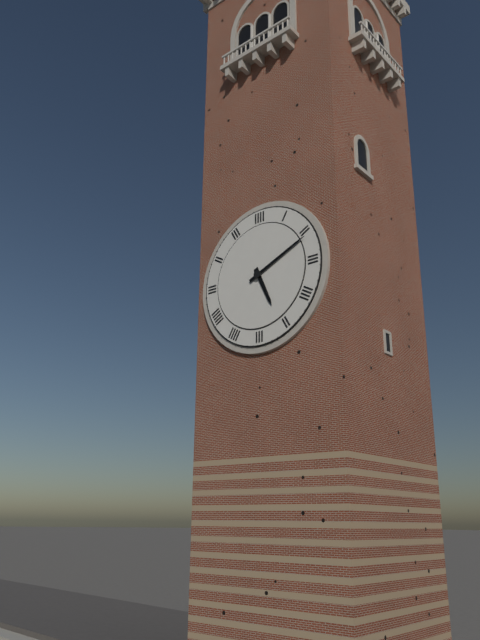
{"hour": 5, "minute": 11}
